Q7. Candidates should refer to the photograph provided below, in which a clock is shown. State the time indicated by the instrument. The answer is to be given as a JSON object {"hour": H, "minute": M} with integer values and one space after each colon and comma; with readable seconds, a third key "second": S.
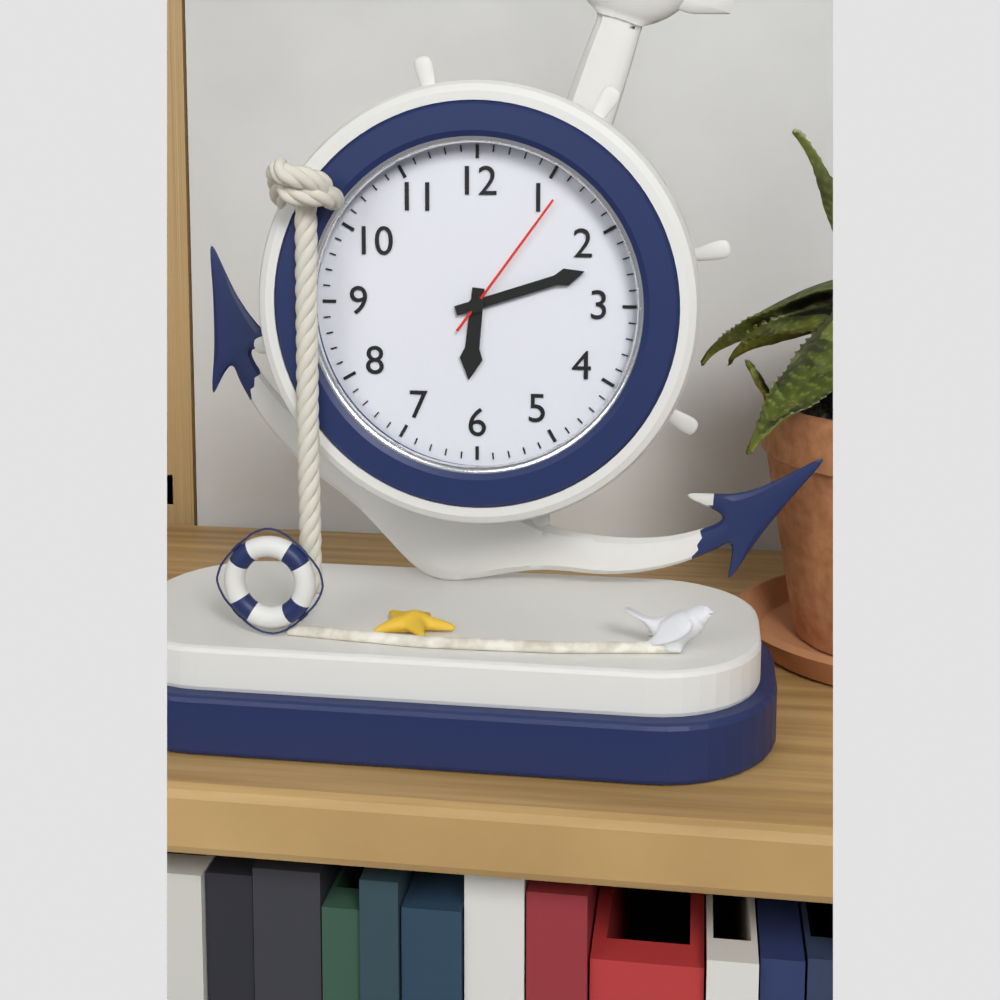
{"hour": 6, "minute": 12, "second": 6}
